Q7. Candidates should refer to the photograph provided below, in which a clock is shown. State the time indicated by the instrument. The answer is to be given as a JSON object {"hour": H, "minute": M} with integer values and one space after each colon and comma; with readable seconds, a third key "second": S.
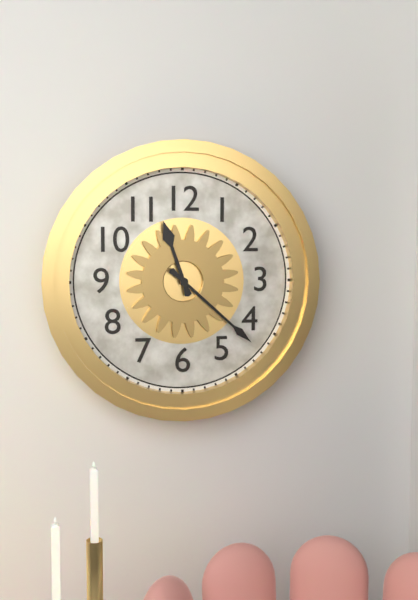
{"hour": 11, "minute": 22}
